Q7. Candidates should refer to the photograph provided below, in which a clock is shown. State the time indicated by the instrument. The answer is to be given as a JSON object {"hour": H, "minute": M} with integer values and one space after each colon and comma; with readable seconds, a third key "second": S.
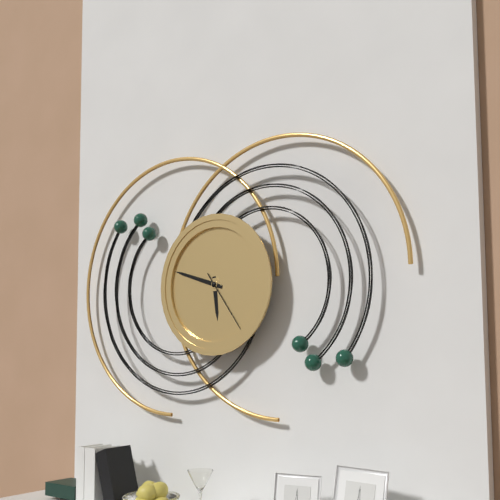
{"hour": 5, "minute": 48, "second": 24}
